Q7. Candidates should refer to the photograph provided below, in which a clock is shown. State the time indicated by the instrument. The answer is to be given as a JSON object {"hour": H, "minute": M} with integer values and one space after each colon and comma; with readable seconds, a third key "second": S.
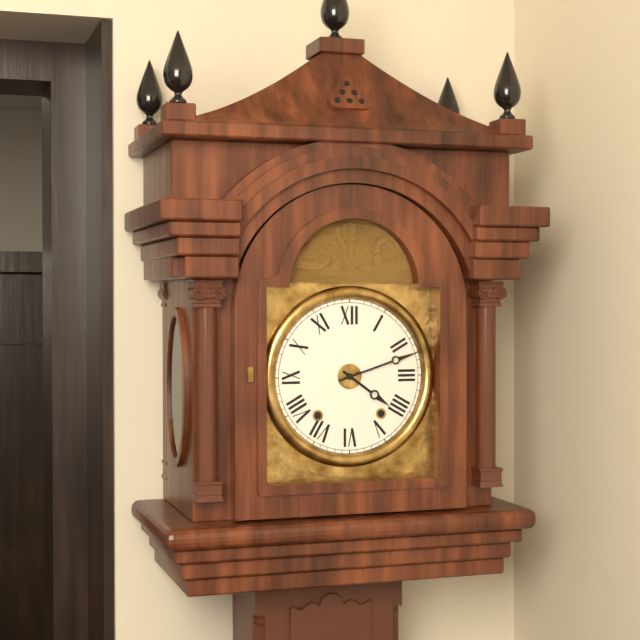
{"hour": 4, "minute": 12}
